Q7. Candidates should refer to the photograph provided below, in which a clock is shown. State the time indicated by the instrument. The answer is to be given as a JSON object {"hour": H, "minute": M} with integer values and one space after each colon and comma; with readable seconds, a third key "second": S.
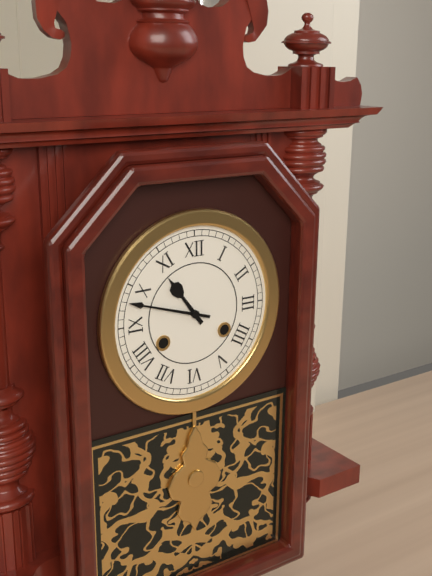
{"hour": 10, "minute": 48}
